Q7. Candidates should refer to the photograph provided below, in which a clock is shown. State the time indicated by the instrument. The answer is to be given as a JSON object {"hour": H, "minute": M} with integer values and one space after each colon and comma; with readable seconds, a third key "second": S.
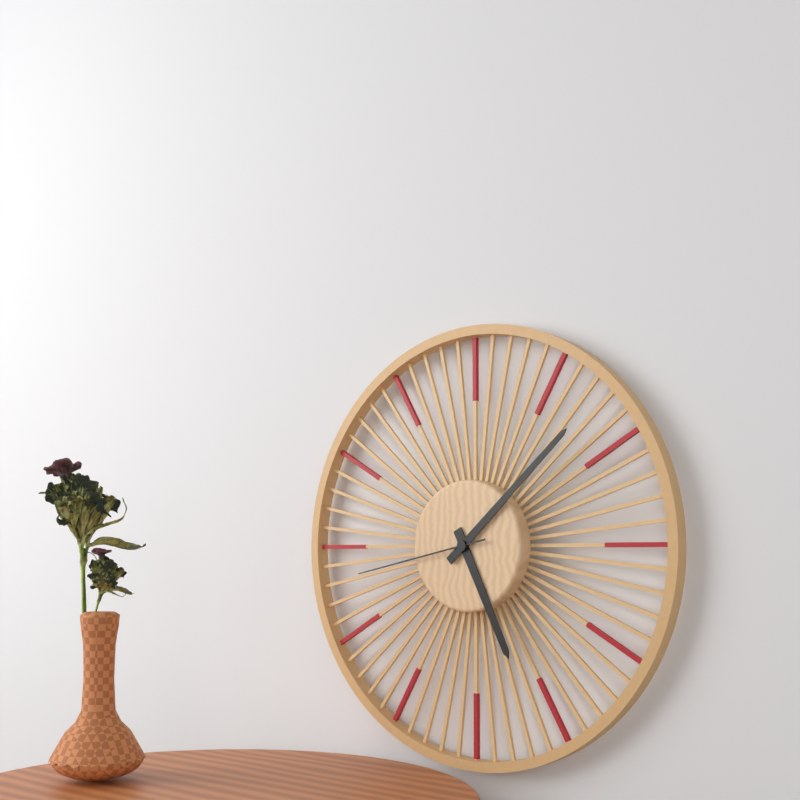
{"hour": 5, "minute": 8, "second": 43}
